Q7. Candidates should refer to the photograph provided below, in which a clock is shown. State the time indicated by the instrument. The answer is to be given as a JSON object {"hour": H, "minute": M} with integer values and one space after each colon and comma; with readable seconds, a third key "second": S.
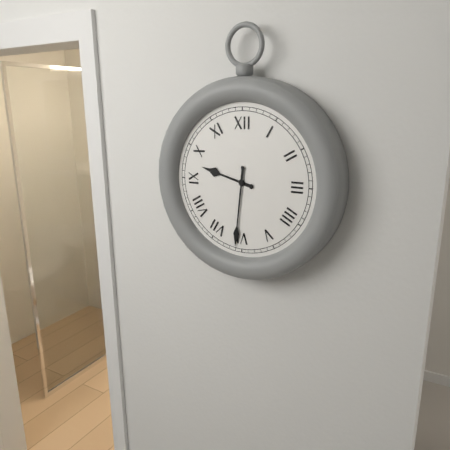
{"hour": 9, "minute": 31}
